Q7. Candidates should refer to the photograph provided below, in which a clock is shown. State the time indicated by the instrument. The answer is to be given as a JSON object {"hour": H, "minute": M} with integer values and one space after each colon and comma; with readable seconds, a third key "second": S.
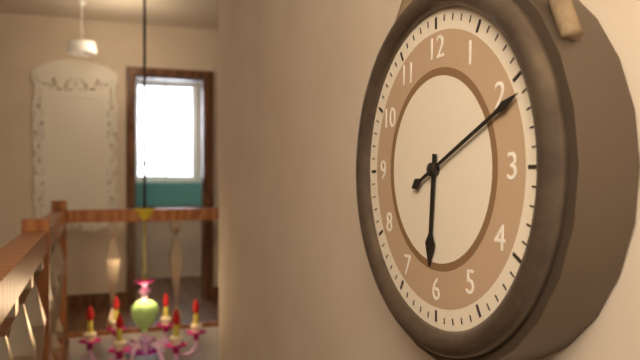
{"hour": 6, "minute": 11}
